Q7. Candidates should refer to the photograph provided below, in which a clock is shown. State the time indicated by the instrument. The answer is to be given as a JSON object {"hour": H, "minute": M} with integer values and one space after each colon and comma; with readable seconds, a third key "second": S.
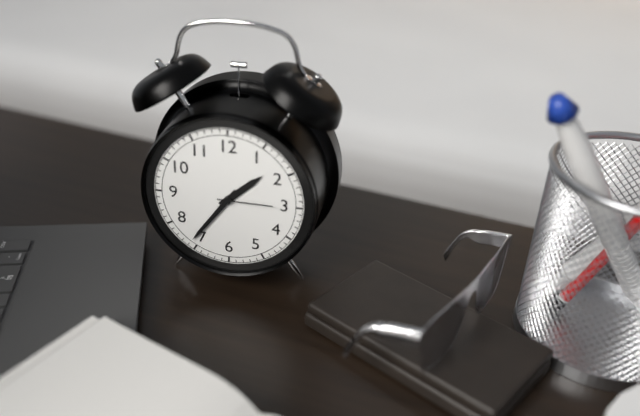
{"hour": 1, "minute": 36, "second": 15}
